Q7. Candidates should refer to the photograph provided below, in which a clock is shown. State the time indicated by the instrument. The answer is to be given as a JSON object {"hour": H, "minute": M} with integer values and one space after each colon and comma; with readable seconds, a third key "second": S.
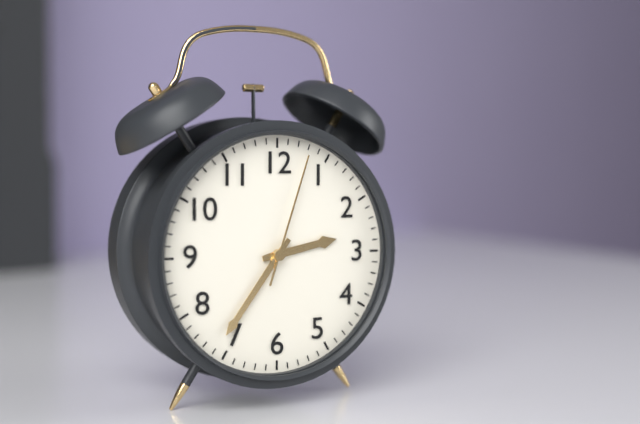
{"hour": 2, "minute": 36, "second": 3}
